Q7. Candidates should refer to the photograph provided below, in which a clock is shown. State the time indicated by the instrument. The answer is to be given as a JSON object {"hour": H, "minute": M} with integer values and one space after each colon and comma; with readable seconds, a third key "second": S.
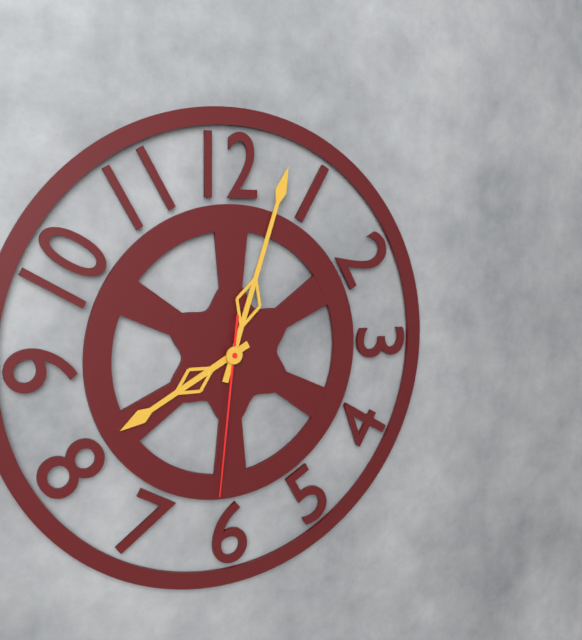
{"hour": 8, "minute": 3, "second": 31}
